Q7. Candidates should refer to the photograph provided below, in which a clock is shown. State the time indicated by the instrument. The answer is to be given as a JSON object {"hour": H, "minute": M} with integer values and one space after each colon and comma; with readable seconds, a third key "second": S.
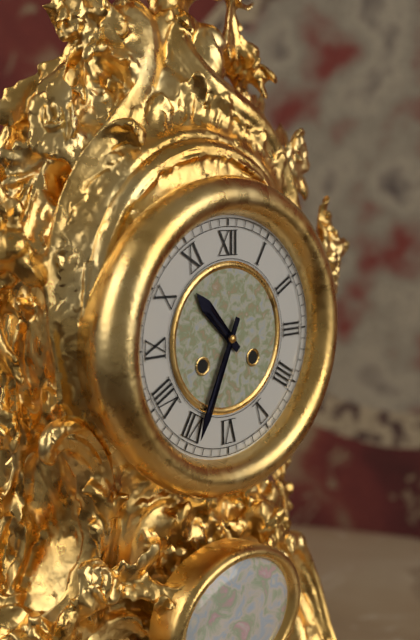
{"hour": 10, "minute": 34}
